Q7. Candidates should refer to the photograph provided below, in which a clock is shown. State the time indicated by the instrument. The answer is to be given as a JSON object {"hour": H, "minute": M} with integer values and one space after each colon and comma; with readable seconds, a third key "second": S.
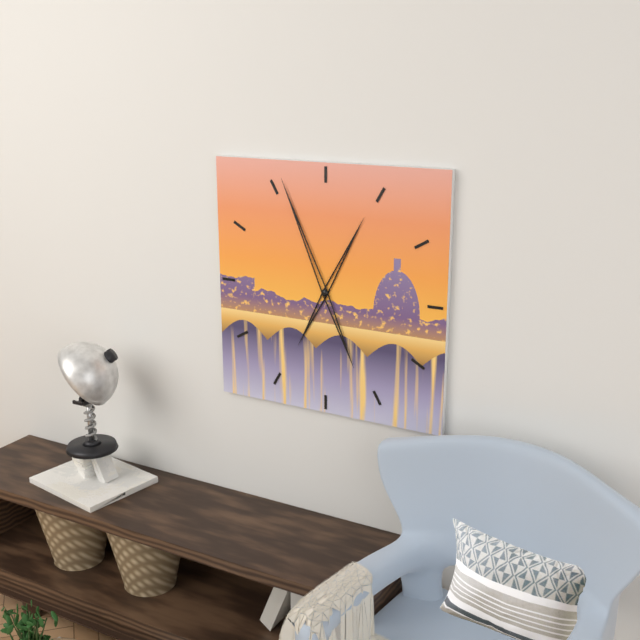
{"hour": 12, "minute": 56}
